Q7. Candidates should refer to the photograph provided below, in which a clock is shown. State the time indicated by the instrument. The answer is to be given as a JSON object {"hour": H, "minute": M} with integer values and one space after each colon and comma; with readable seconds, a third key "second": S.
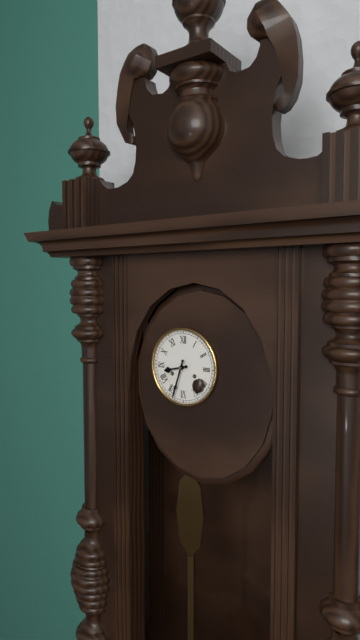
{"hour": 8, "minute": 33}
